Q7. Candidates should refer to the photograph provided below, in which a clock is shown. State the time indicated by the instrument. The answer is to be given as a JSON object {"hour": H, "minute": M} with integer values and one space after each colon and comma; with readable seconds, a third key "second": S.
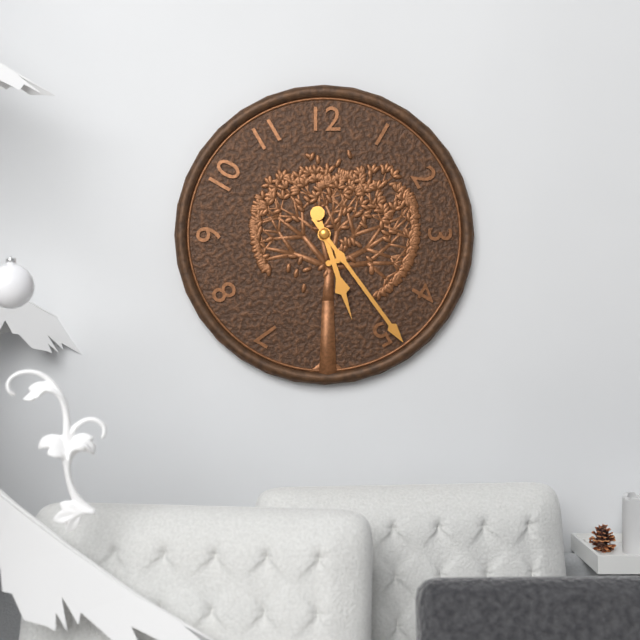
{"hour": 5, "minute": 24}
